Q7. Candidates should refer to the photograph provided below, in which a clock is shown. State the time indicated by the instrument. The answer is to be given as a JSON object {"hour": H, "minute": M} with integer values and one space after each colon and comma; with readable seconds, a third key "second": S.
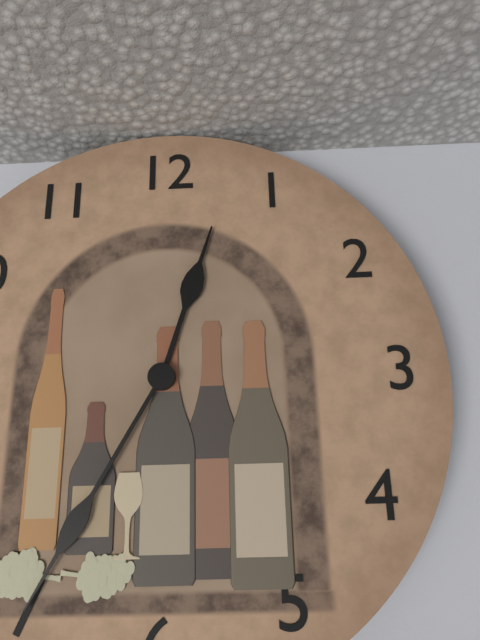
{"hour": 12, "minute": 35}
